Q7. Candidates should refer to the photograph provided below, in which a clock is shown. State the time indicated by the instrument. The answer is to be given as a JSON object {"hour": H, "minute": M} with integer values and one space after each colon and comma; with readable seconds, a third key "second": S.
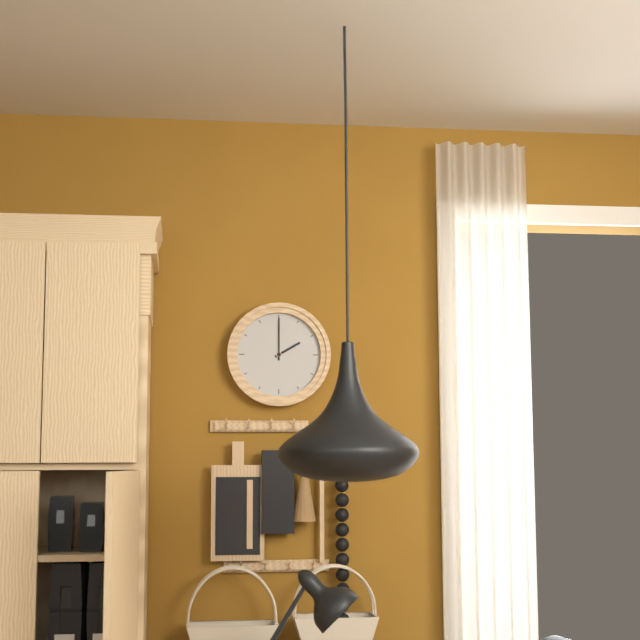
{"hour": 2, "minute": 0}
